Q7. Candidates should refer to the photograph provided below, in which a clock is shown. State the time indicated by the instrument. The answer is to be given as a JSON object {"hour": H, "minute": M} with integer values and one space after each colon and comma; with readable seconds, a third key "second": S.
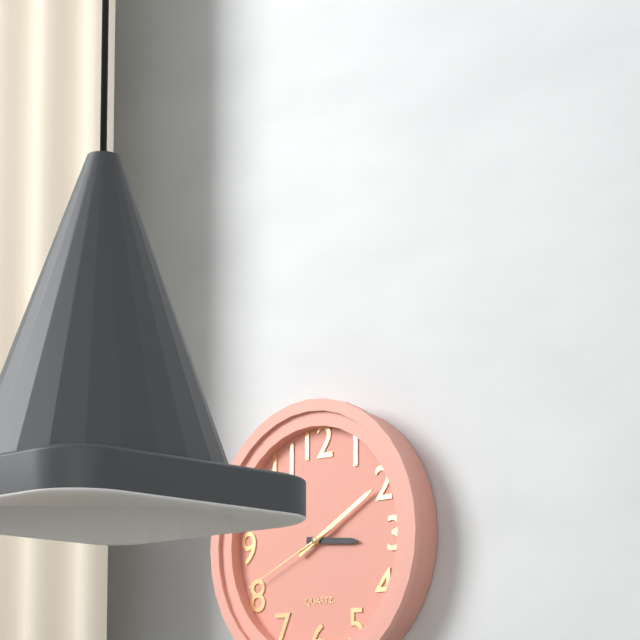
{"hour": 3, "minute": 10, "second": 41}
